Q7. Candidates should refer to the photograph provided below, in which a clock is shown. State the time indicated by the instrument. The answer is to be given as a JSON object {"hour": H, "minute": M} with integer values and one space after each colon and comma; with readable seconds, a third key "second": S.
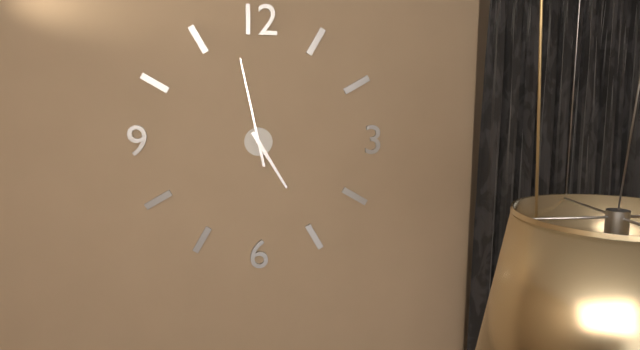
{"hour": 4, "minute": 58}
